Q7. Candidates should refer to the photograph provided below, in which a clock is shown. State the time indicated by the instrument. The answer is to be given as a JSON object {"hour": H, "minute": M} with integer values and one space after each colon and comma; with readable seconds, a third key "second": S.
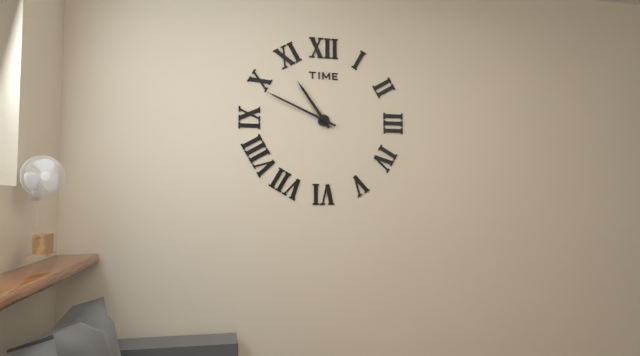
{"hour": 10, "minute": 49}
